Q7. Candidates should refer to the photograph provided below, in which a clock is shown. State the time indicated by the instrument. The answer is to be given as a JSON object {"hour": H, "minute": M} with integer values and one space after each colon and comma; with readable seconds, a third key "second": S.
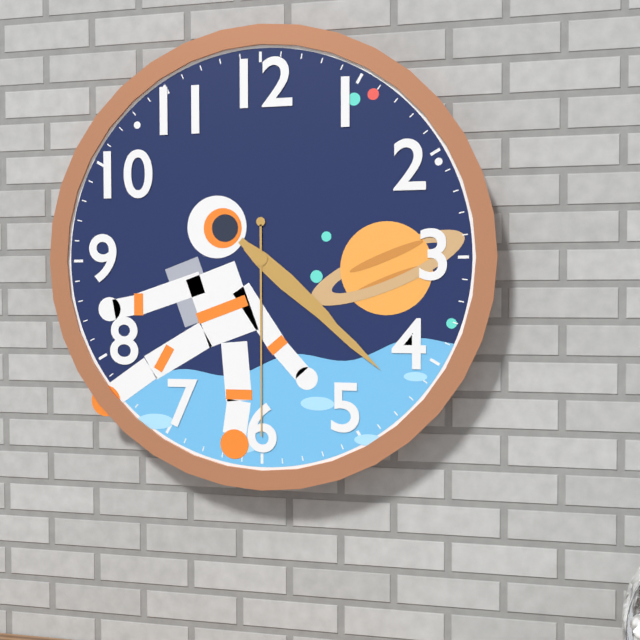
{"hour": 4, "minute": 22, "second": 30}
